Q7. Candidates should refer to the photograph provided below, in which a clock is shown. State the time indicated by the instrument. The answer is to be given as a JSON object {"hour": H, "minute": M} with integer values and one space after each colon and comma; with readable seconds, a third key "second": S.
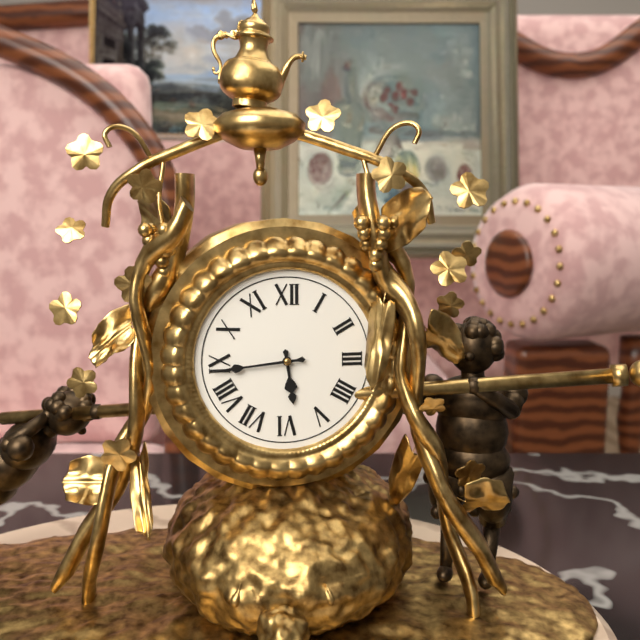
{"hour": 5, "minute": 44}
